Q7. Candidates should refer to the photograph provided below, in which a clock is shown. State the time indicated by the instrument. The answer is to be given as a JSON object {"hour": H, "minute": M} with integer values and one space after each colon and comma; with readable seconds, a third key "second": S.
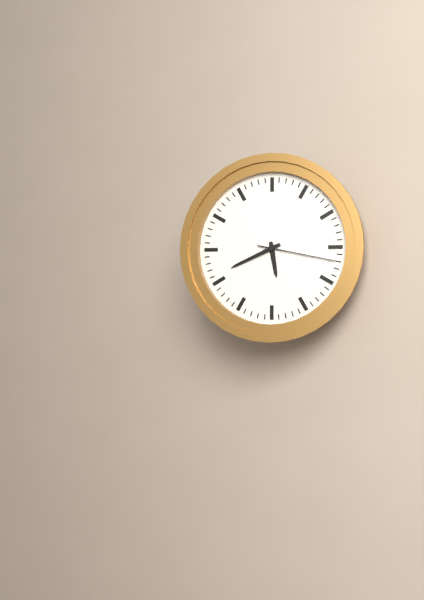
{"hour": 5, "minute": 41, "second": 17}
